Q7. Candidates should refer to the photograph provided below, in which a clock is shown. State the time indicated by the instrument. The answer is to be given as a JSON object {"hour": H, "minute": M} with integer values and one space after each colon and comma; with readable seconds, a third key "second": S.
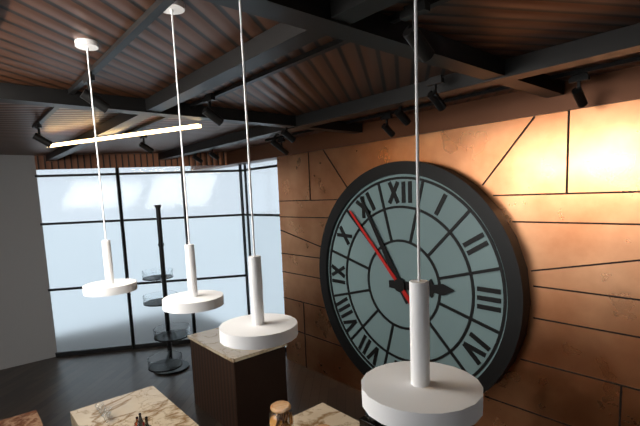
{"hour": 2, "minute": 55, "second": 53}
